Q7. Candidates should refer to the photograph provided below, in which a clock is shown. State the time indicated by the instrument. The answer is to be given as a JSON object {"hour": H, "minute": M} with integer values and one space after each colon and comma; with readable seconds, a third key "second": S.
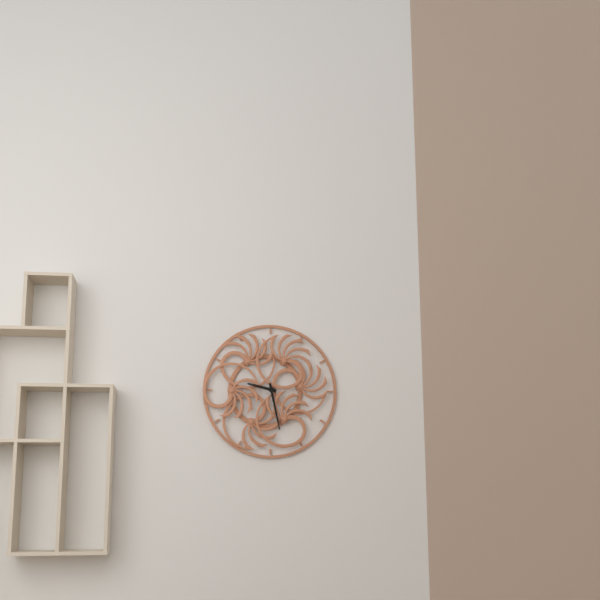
{"hour": 9, "minute": 28}
